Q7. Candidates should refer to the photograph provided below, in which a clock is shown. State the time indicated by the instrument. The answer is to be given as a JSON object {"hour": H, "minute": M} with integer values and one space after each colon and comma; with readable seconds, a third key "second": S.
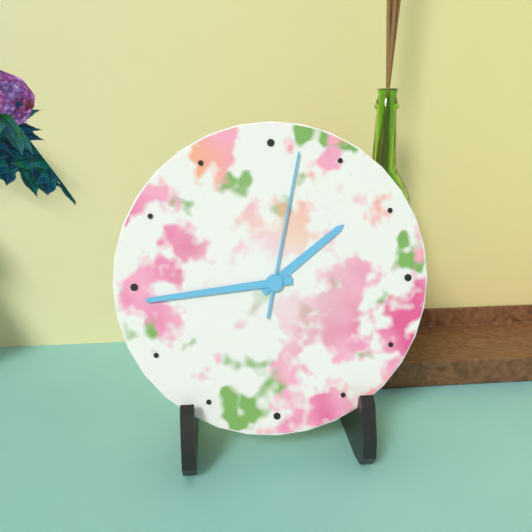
{"hour": 1, "minute": 44, "second": 2}
